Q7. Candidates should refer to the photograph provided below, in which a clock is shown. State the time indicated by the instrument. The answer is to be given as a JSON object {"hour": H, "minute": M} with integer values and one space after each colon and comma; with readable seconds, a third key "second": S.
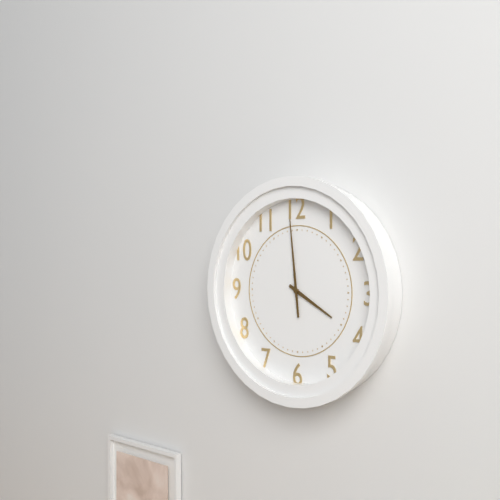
{"hour": 3, "minute": 59}
